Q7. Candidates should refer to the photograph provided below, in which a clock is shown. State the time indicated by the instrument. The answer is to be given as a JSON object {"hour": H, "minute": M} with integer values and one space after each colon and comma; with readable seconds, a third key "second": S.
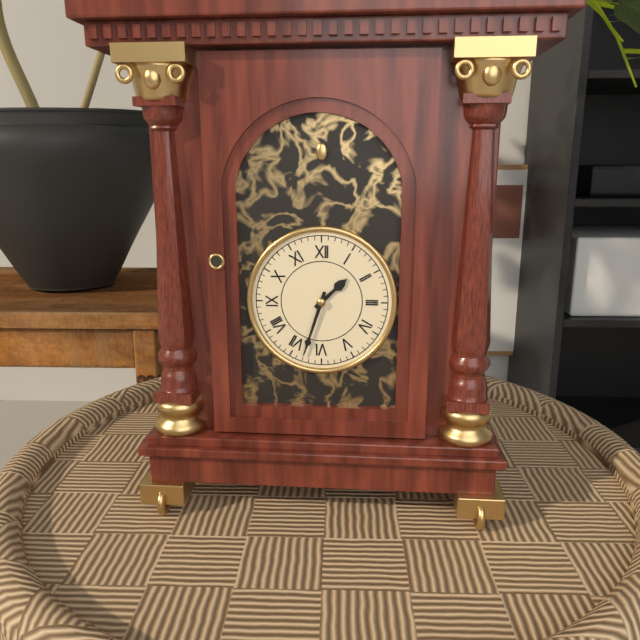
{"hour": 1, "minute": 33}
